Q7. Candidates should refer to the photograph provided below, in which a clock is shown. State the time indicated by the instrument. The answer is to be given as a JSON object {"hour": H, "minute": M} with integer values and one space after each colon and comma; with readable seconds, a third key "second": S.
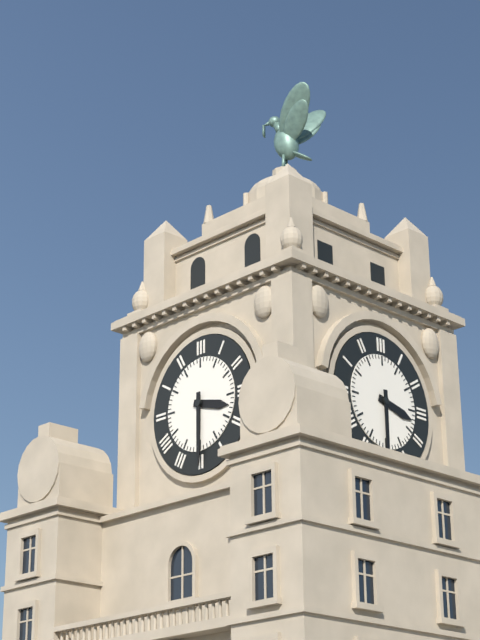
{"hour": 3, "minute": 30}
